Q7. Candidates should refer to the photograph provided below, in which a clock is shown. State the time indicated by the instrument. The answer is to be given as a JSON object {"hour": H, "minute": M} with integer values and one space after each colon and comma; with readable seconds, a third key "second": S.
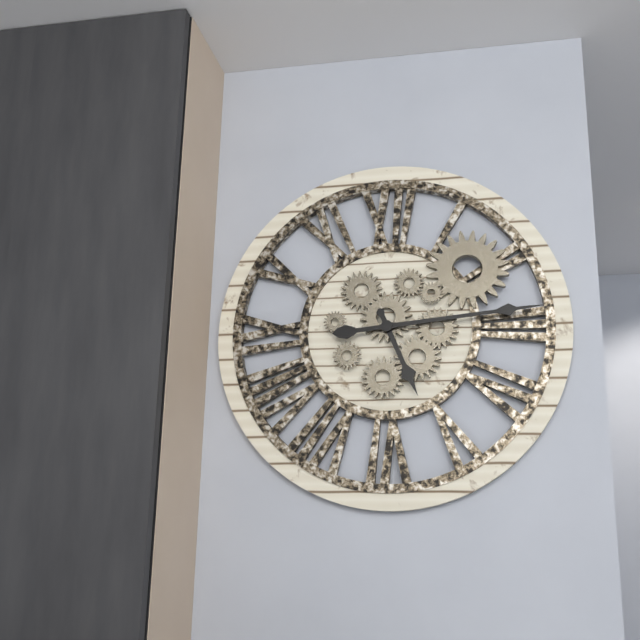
{"hour": 5, "minute": 14}
